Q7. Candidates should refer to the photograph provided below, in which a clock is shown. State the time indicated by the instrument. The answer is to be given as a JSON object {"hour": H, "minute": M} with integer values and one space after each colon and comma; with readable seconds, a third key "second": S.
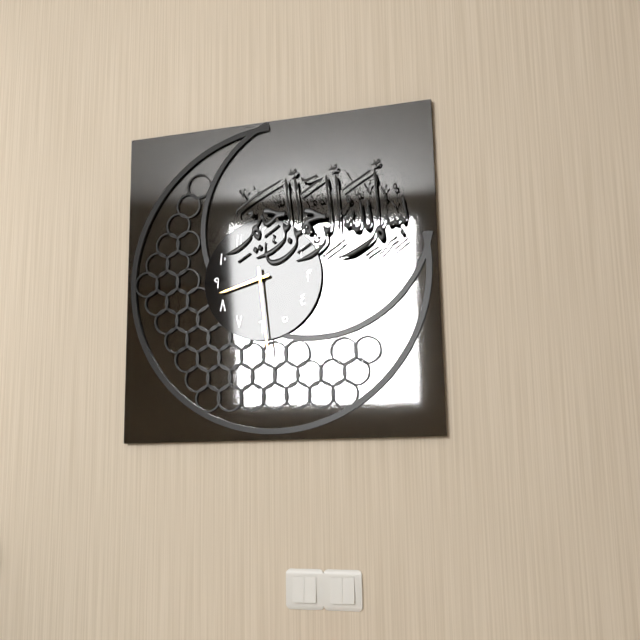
{"hour": 8, "minute": 29}
